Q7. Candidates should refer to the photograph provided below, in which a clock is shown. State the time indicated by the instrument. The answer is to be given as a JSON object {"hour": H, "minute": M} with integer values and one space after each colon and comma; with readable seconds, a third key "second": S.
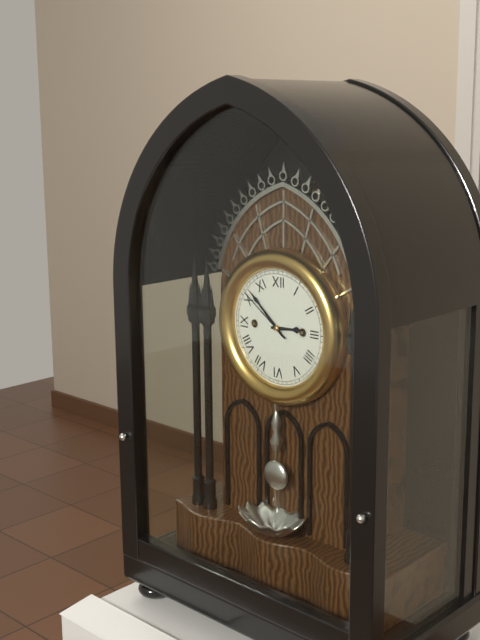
{"hour": 2, "minute": 52, "second": 51}
